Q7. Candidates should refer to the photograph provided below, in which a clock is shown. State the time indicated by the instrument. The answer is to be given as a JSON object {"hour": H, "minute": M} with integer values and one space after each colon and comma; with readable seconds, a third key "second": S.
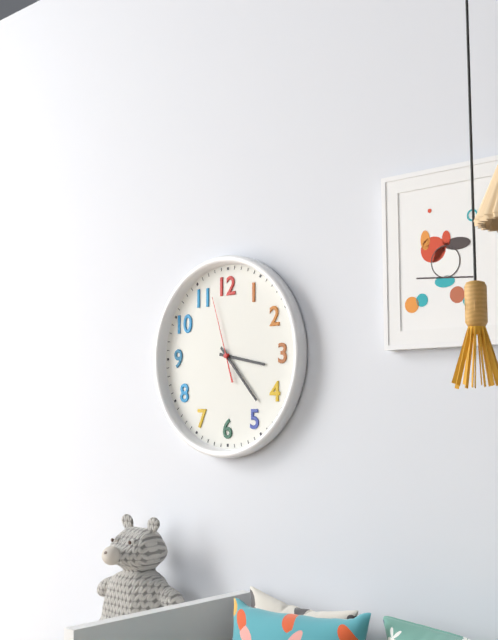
{"hour": 3, "minute": 23, "second": 57}
